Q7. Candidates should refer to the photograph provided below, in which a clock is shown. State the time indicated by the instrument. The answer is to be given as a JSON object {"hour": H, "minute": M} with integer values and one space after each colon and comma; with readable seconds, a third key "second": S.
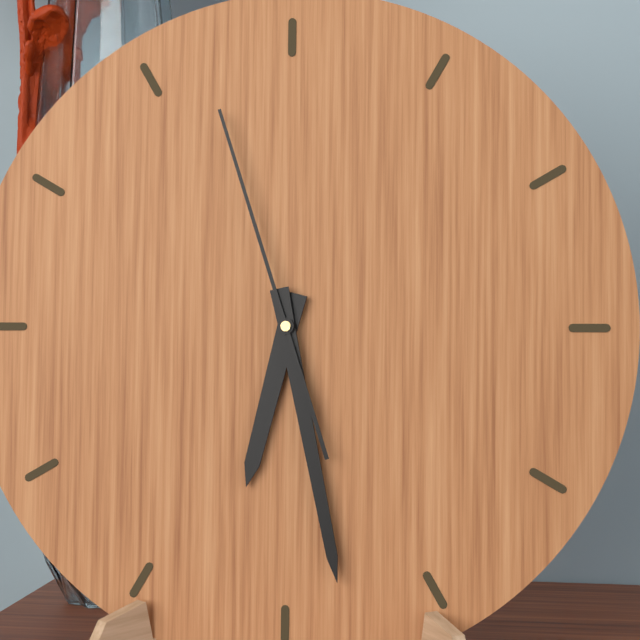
{"hour": 6, "minute": 28, "second": 57}
